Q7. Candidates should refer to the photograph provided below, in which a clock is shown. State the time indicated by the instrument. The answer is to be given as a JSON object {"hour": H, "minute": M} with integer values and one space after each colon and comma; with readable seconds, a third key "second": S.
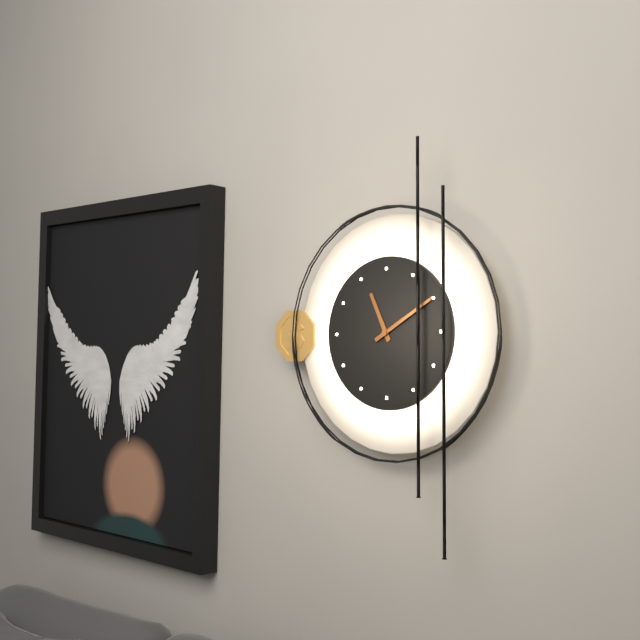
{"hour": 11, "minute": 10}
